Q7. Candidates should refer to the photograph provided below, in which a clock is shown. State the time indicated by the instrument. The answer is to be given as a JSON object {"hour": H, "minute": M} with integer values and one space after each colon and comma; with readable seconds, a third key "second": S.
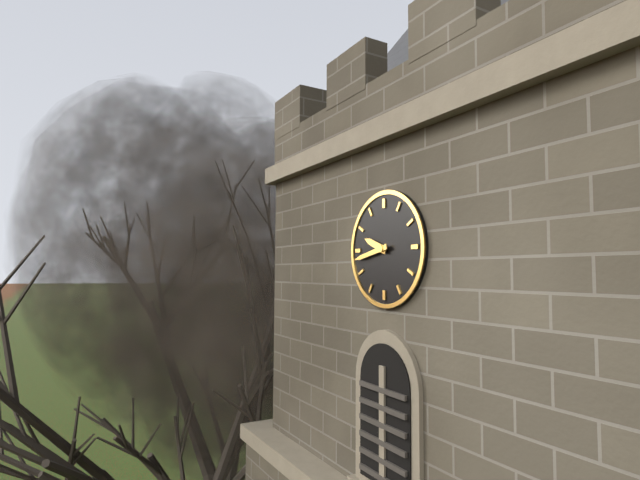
{"hour": 9, "minute": 43}
